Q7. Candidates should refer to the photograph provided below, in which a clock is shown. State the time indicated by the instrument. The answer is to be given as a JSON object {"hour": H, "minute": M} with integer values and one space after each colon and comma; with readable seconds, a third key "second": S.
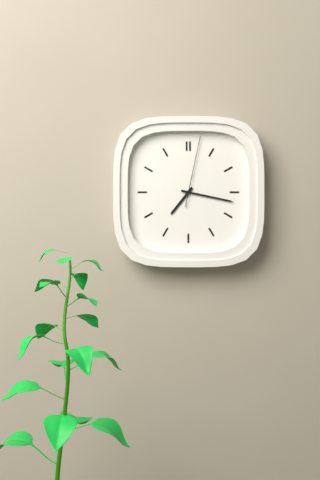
{"hour": 7, "minute": 17, "second": 2}
